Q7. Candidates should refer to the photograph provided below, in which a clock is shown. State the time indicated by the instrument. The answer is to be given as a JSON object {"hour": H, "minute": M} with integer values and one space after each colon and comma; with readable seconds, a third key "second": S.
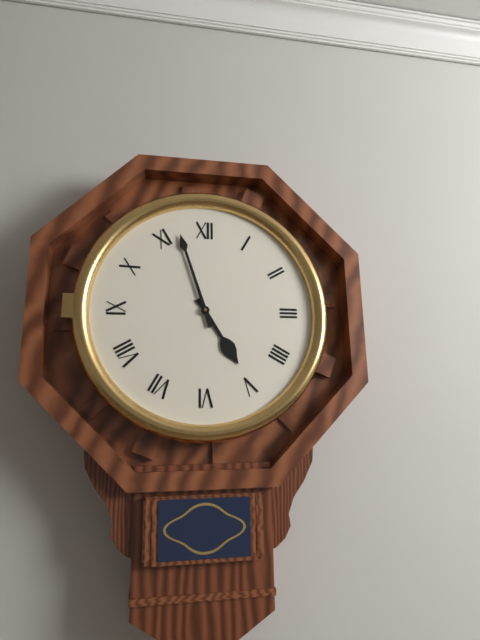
{"hour": 4, "minute": 57}
